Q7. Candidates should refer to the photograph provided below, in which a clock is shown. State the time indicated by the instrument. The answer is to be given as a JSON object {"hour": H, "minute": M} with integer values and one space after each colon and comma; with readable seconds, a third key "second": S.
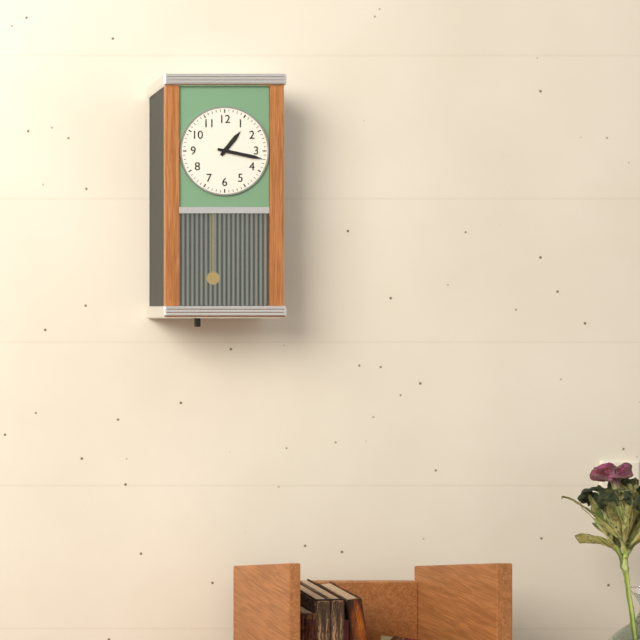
{"hour": 1, "minute": 17}
